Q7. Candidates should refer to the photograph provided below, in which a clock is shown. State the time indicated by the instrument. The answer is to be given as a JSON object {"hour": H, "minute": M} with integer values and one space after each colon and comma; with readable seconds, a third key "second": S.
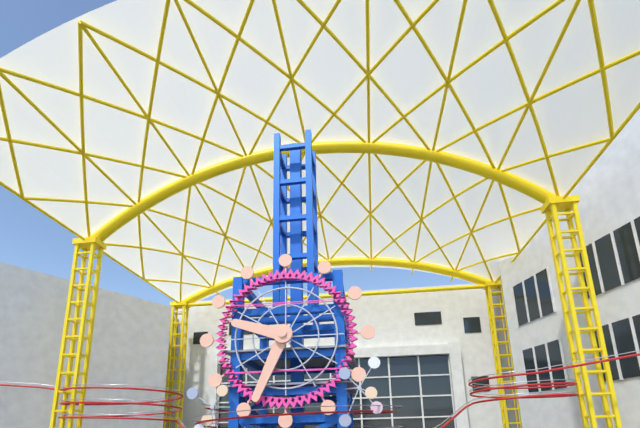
{"hour": 9, "minute": 34}
